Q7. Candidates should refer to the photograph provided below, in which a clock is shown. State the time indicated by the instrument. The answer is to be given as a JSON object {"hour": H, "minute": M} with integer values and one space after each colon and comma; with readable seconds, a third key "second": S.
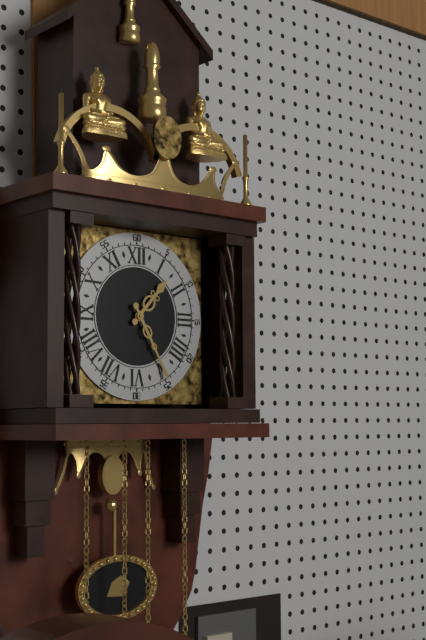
{"hour": 1, "minute": 25}
